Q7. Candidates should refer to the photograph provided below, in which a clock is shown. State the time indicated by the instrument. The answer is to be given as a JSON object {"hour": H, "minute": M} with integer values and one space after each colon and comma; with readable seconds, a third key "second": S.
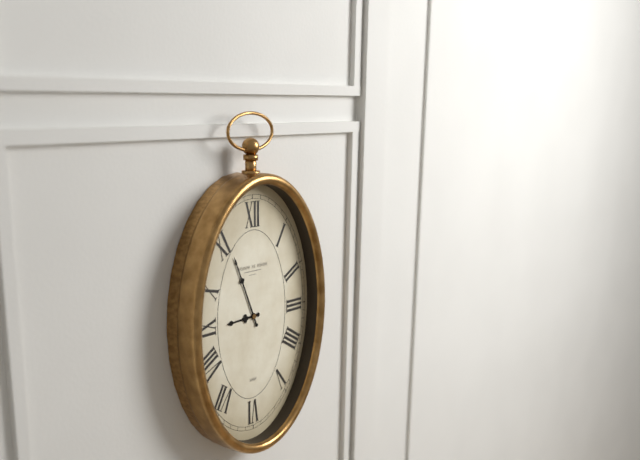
{"hour": 8, "minute": 56}
